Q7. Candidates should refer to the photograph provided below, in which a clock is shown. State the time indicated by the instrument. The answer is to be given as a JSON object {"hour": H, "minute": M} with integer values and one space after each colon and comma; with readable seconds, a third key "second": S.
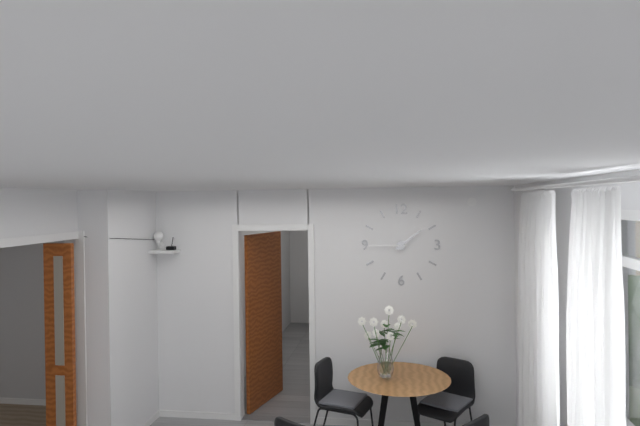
{"hour": 1, "minute": 45}
